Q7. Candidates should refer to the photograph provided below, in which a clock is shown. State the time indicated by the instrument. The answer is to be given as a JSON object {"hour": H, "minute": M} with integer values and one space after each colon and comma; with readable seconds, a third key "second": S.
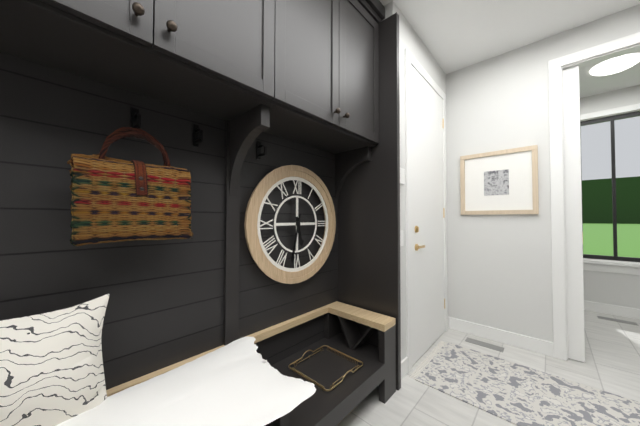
{"hour": 5, "minute": 32}
